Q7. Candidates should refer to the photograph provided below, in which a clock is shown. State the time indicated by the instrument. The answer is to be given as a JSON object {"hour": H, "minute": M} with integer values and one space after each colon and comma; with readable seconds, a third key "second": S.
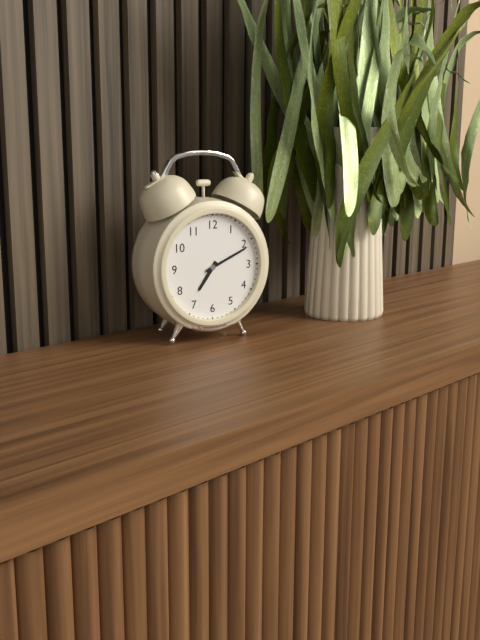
{"hour": 7, "minute": 11}
